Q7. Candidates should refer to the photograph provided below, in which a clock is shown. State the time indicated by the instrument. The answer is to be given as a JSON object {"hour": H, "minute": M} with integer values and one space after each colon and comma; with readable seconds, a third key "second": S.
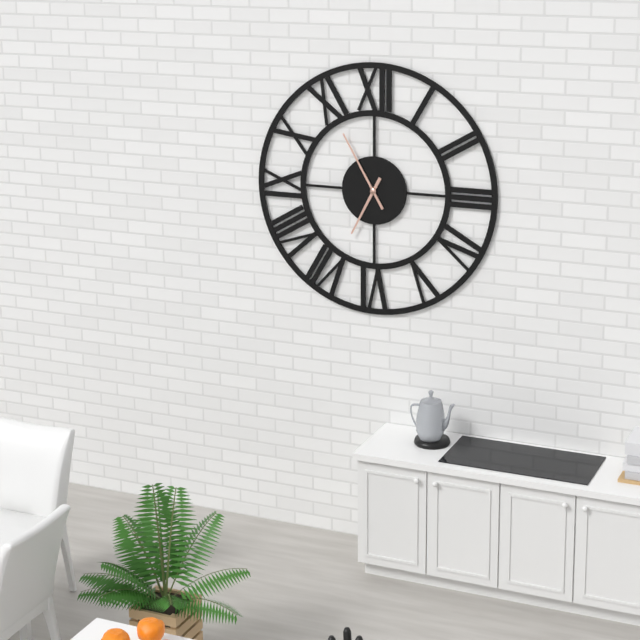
{"hour": 6, "minute": 55}
